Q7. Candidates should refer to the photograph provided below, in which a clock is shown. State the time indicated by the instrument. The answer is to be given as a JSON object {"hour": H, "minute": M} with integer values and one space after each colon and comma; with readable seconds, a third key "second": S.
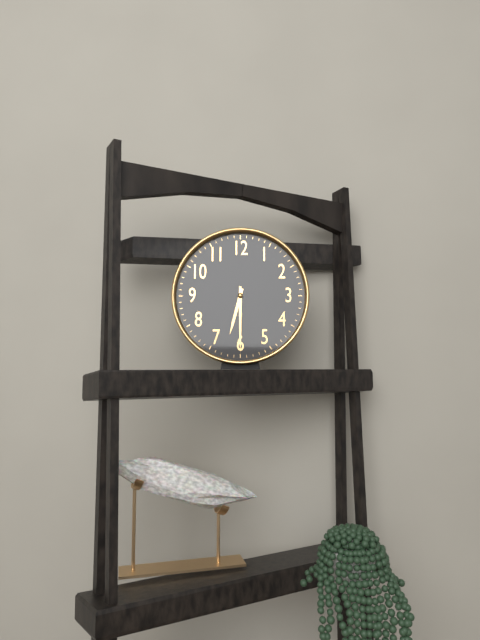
{"hour": 6, "minute": 30}
